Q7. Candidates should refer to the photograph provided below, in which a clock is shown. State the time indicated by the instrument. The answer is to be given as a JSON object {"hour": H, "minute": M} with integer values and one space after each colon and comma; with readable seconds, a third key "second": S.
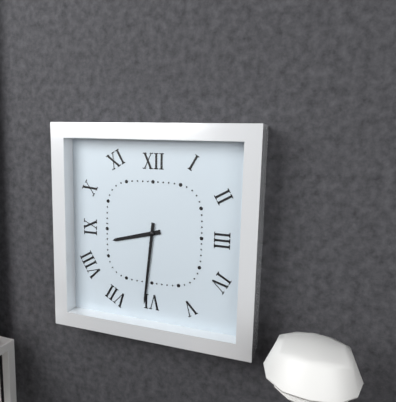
{"hour": 8, "minute": 31}
